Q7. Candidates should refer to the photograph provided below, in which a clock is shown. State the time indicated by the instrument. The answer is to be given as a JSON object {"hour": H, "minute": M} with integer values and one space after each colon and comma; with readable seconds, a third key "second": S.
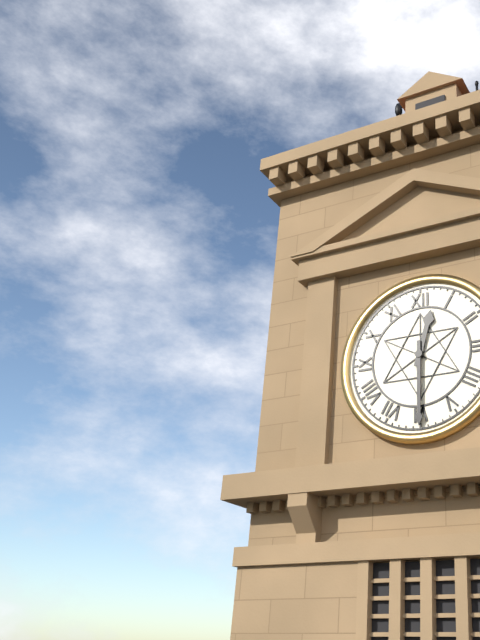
{"hour": 12, "minute": 30}
